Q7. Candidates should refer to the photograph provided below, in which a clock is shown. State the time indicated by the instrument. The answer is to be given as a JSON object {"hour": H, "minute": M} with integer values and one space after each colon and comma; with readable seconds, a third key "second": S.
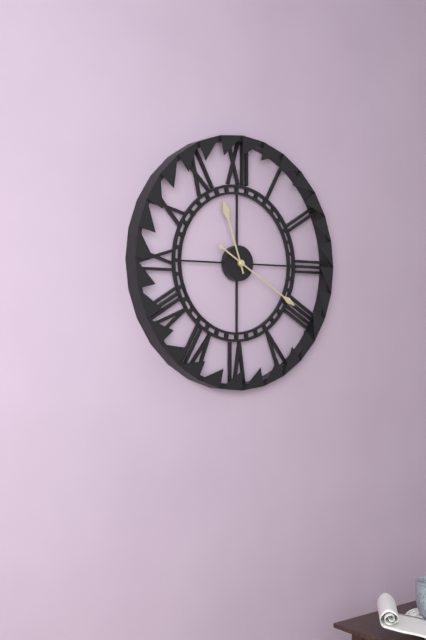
{"hour": 11, "minute": 20}
